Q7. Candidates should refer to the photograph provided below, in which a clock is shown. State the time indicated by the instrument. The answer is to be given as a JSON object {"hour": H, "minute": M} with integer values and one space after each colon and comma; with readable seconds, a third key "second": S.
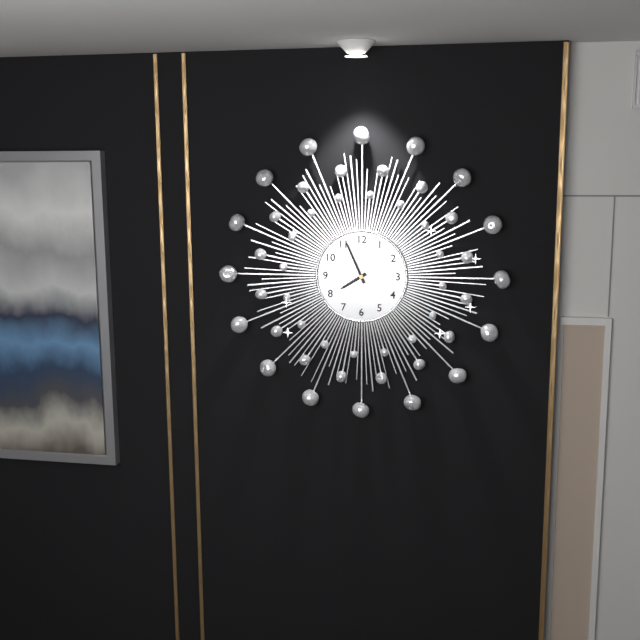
{"hour": 7, "minute": 56}
